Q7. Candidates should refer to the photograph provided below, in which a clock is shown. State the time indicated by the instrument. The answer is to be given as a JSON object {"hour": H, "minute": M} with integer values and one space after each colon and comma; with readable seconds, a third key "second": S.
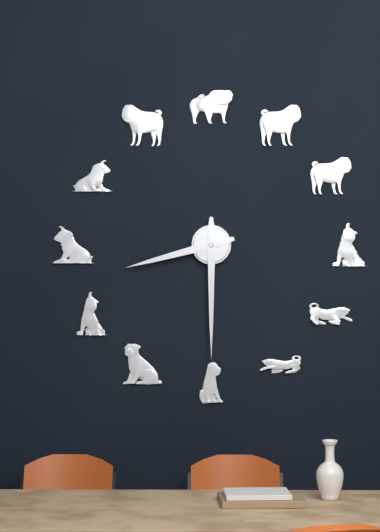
{"hour": 8, "minute": 30}
